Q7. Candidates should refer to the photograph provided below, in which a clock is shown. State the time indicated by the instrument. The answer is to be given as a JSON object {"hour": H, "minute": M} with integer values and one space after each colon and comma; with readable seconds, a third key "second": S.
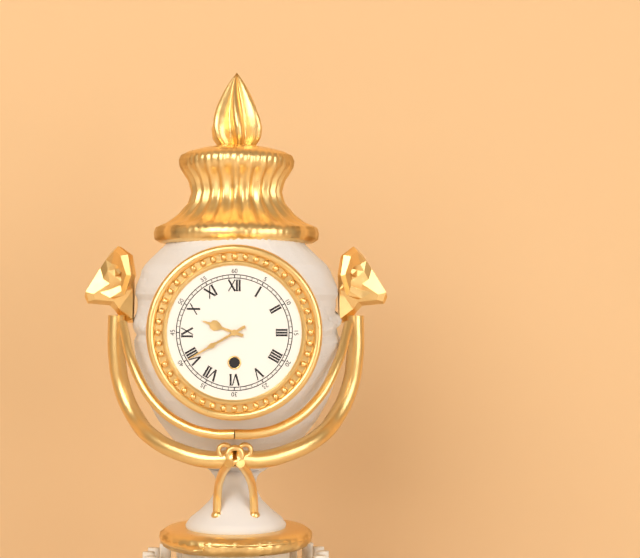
{"hour": 9, "minute": 40}
